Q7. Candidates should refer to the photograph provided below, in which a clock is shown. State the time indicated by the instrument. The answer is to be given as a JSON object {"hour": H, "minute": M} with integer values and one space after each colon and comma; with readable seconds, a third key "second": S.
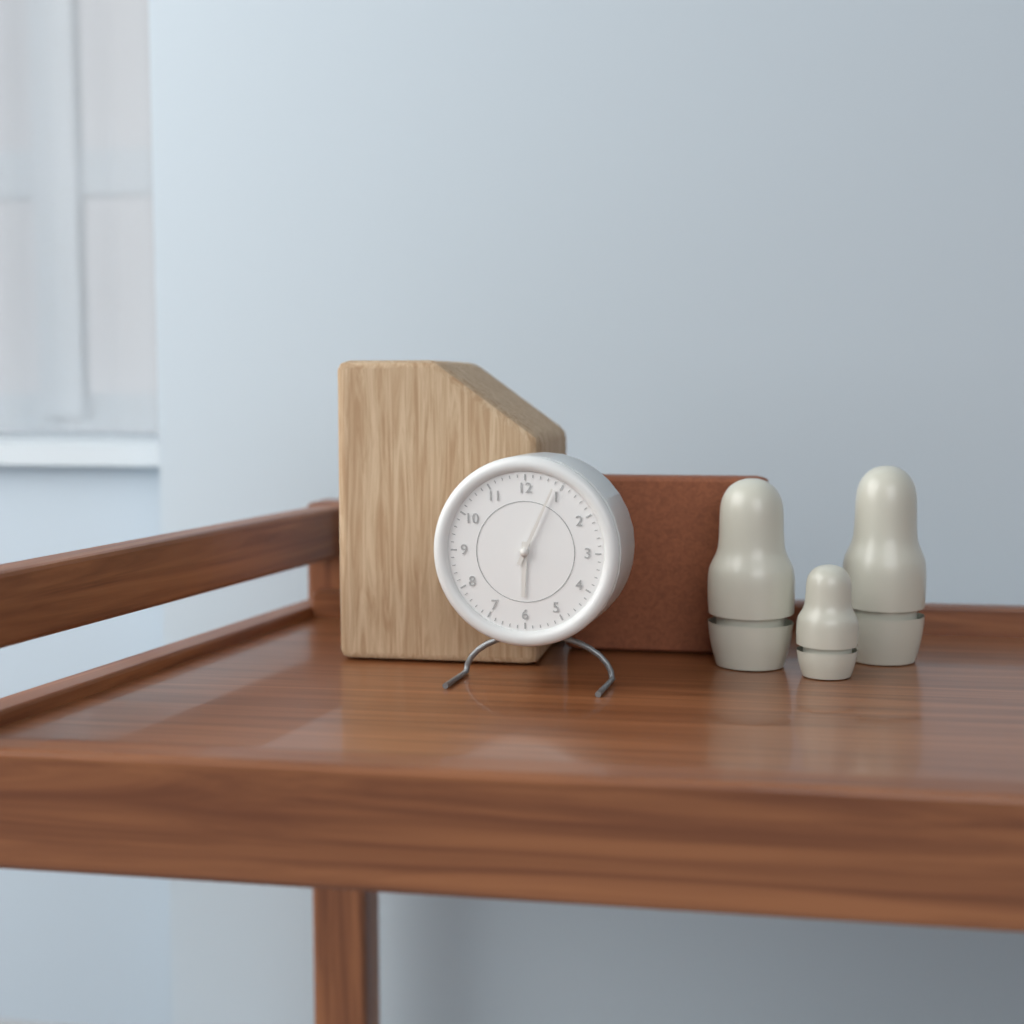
{"hour": 6, "minute": 4}
